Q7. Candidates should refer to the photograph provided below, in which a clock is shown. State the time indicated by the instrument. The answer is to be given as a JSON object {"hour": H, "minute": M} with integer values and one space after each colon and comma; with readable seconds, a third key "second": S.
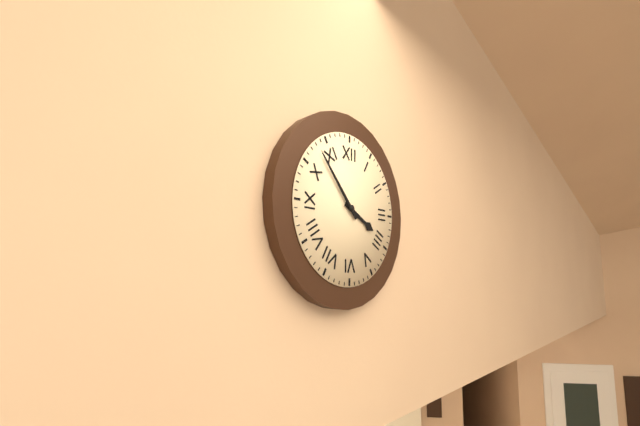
{"hour": 3, "minute": 53}
